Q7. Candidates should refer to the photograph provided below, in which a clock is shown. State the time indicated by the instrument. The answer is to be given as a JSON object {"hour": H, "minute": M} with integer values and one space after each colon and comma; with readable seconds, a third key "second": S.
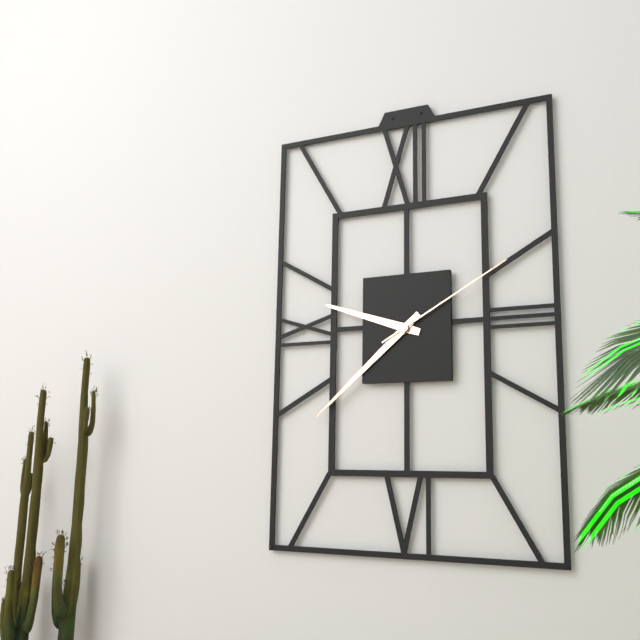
{"hour": 9, "minute": 38, "second": 10}
